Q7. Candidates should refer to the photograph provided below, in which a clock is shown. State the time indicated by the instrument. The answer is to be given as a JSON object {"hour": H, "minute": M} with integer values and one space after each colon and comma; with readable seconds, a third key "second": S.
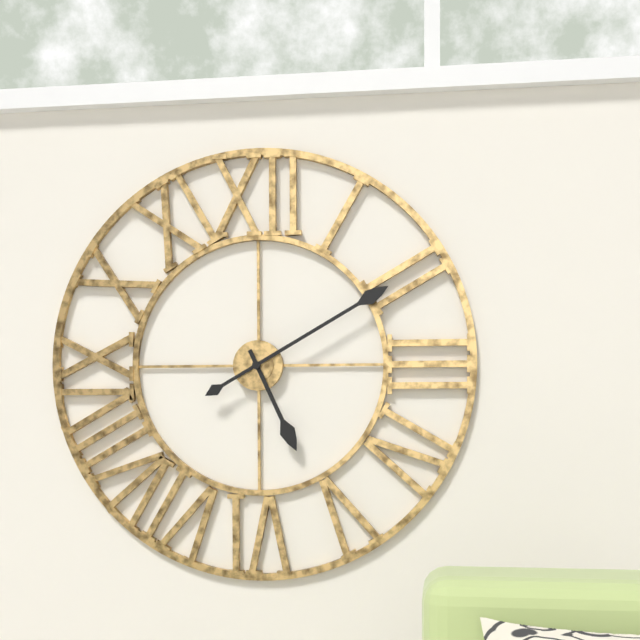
{"hour": 5, "minute": 10}
